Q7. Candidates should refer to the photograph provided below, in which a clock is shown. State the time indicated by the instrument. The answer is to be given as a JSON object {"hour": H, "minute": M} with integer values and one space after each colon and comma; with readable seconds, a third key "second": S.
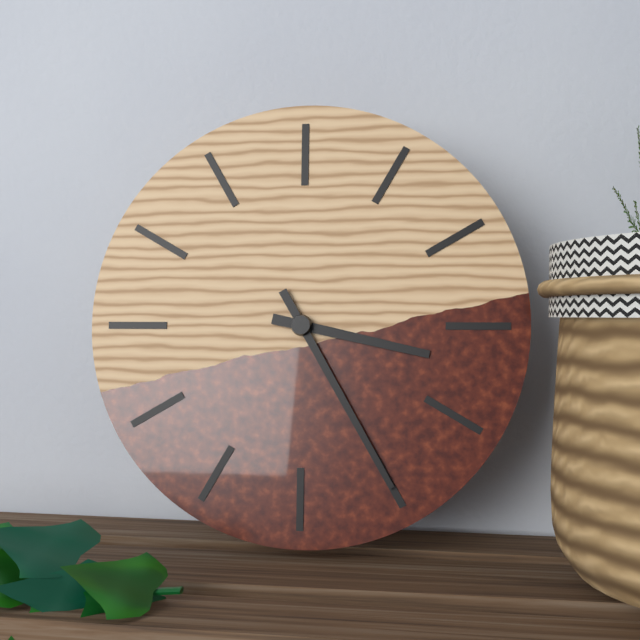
{"hour": 3, "minute": 25}
